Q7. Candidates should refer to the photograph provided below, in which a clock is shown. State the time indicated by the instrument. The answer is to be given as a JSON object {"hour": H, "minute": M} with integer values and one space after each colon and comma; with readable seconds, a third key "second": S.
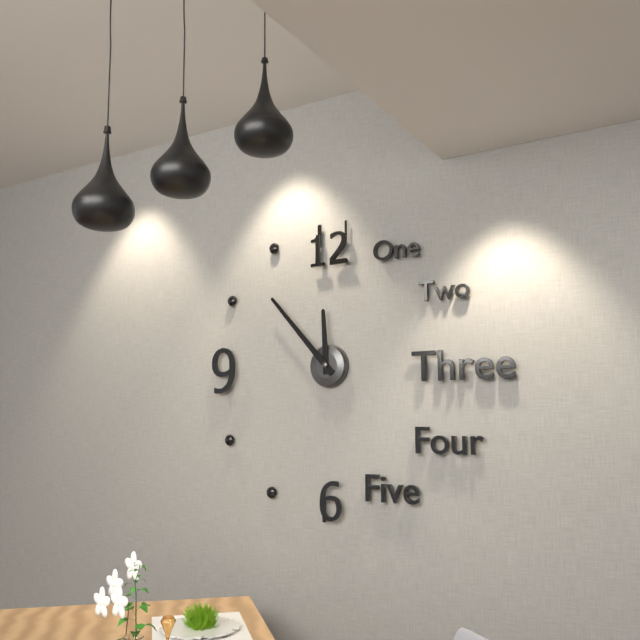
{"hour": 11, "minute": 53}
